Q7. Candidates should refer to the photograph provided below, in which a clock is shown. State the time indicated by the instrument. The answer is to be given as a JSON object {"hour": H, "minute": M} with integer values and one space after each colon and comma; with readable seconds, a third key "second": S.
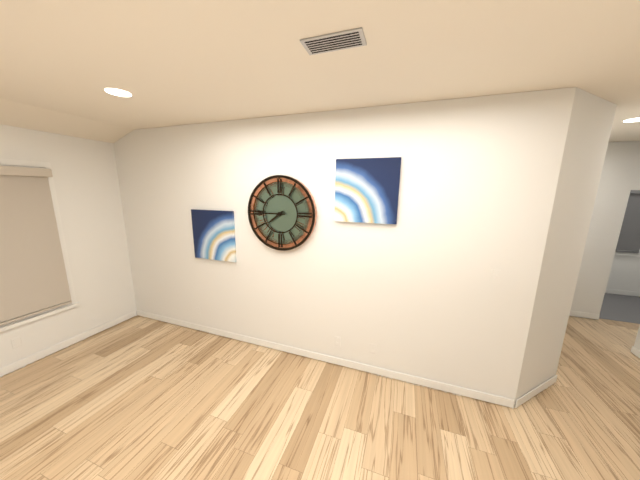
{"hour": 7, "minute": 45}
